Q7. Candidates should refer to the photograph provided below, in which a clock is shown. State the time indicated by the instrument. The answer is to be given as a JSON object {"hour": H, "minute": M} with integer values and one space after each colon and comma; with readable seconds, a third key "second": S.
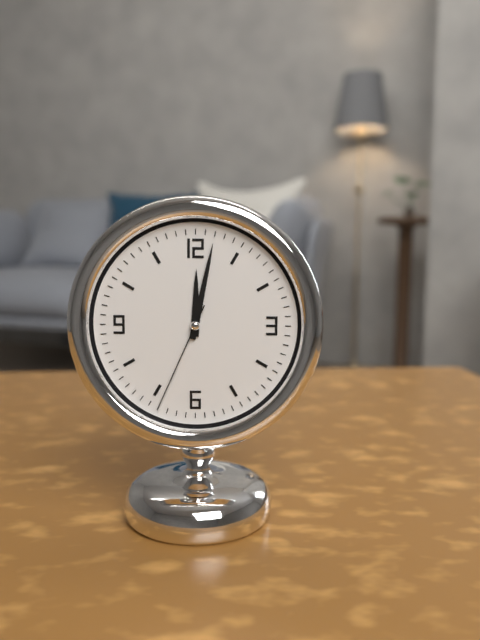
{"hour": 12, "minute": 2, "second": 34}
